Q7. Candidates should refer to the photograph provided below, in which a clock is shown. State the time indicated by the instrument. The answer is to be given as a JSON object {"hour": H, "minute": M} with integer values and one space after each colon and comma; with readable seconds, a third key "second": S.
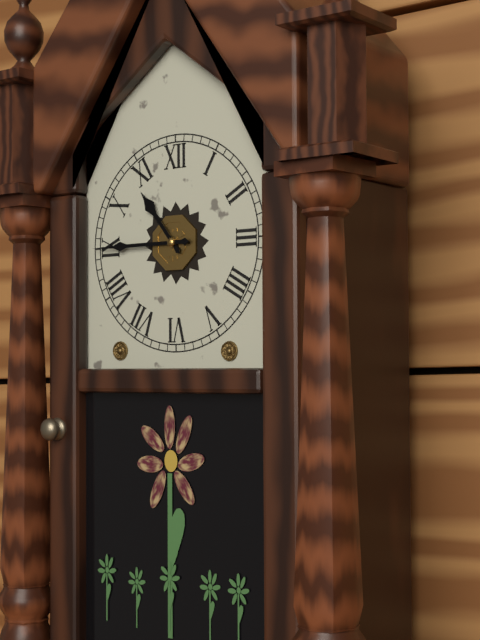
{"hour": 10, "minute": 45}
